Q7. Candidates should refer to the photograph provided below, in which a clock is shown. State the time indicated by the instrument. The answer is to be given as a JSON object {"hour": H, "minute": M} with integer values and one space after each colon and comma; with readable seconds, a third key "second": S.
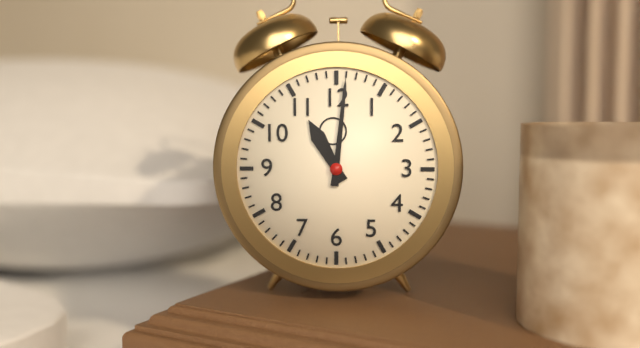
{"hour": 11, "minute": 1}
